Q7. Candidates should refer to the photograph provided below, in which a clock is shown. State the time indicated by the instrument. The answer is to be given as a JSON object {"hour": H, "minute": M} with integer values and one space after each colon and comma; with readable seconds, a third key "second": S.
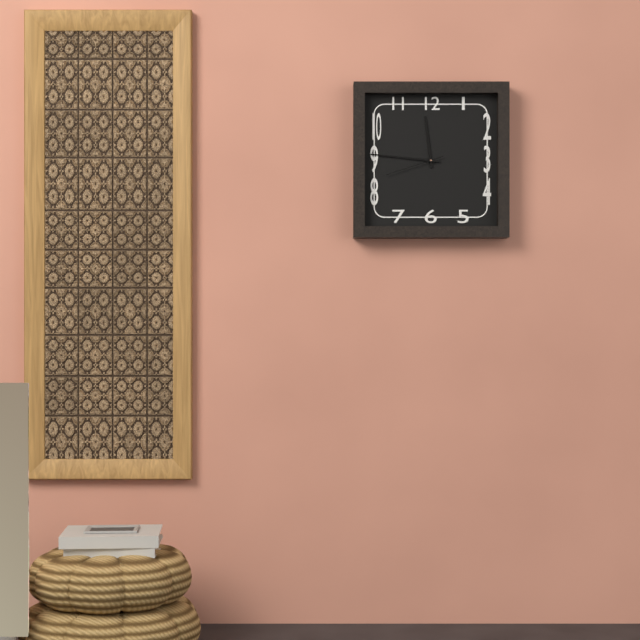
{"hour": 11, "minute": 46, "second": 42}
